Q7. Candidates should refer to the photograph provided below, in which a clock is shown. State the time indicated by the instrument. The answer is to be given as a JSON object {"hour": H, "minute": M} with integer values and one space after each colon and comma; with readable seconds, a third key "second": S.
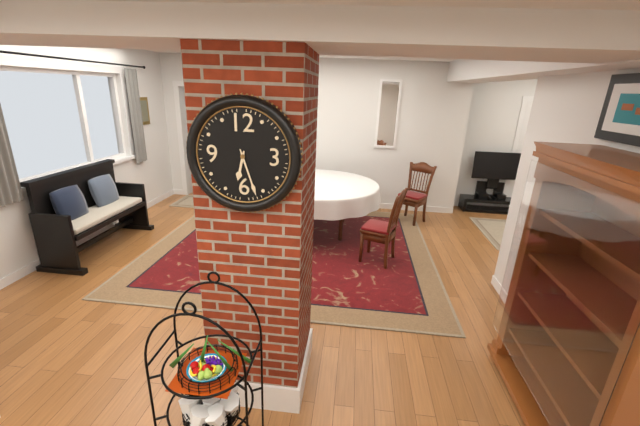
{"hour": 6, "minute": 27}
